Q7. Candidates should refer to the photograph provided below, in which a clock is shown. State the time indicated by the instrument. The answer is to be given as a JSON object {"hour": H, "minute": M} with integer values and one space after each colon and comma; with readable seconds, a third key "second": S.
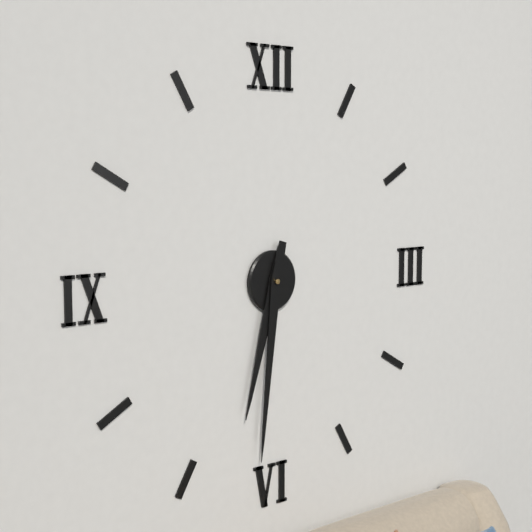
{"hour": 6, "minute": 31}
